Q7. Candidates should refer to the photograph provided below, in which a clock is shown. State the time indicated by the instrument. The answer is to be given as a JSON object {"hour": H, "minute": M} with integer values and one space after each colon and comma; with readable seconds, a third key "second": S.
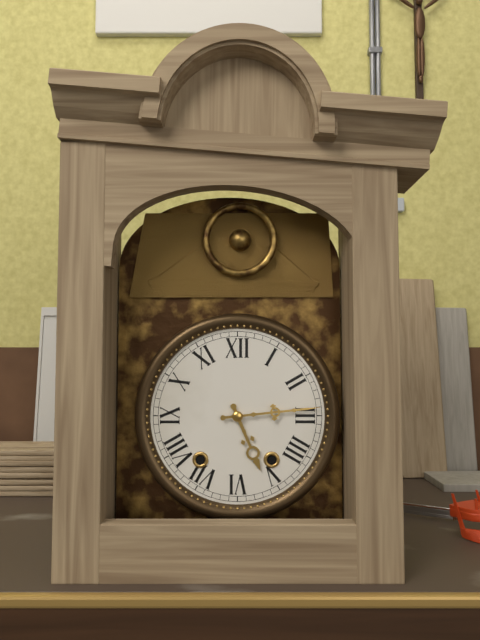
{"hour": 5, "minute": 14}
